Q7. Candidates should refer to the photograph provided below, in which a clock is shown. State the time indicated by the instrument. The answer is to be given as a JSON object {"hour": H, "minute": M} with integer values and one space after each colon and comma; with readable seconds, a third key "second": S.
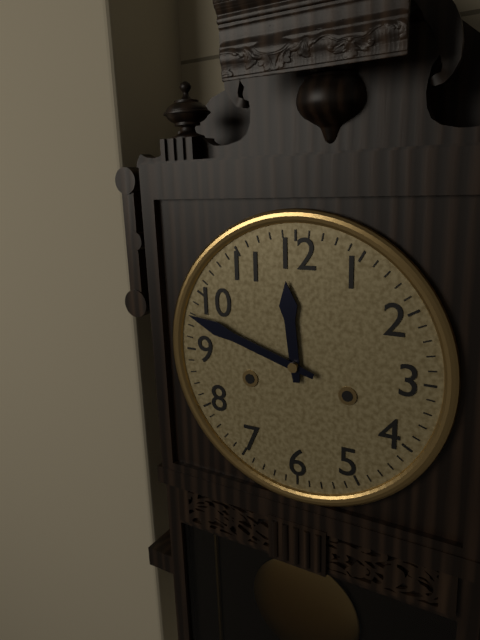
{"hour": 11, "minute": 48}
